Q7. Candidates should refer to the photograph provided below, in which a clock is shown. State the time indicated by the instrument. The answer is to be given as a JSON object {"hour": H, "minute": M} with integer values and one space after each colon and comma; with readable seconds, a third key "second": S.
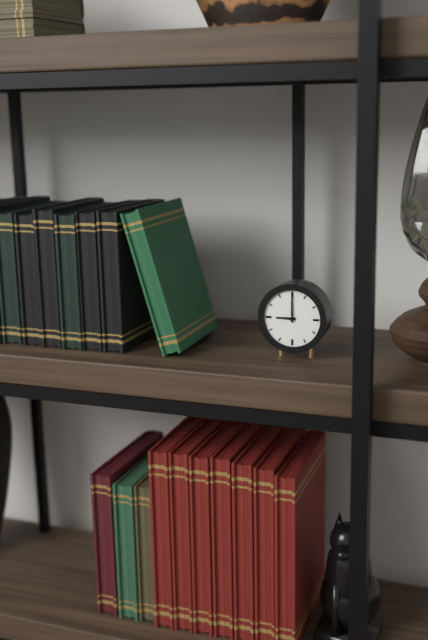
{"hour": 9, "minute": 0}
